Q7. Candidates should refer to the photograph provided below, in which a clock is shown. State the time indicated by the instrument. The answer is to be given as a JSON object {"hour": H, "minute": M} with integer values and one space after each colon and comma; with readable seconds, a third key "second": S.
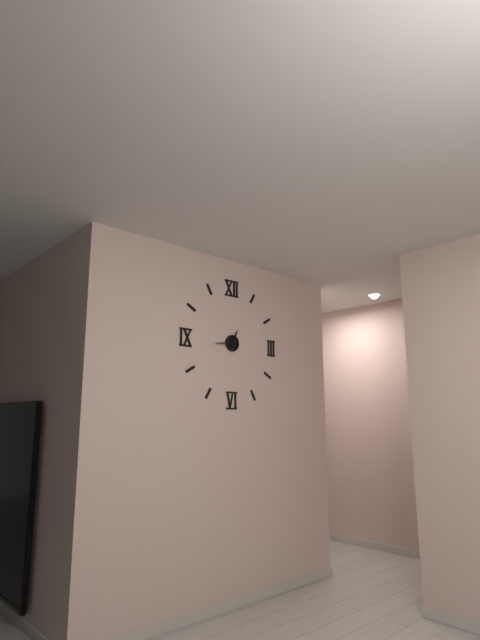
{"hour": 12, "minute": 44}
